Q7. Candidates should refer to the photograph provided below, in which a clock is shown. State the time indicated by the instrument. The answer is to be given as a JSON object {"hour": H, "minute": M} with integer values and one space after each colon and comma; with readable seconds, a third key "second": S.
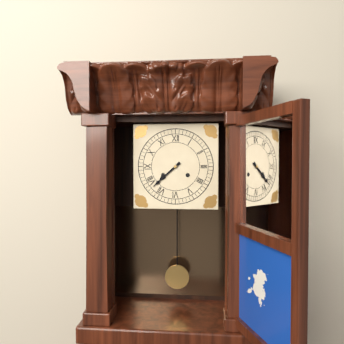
{"hour": 7, "minute": 38}
